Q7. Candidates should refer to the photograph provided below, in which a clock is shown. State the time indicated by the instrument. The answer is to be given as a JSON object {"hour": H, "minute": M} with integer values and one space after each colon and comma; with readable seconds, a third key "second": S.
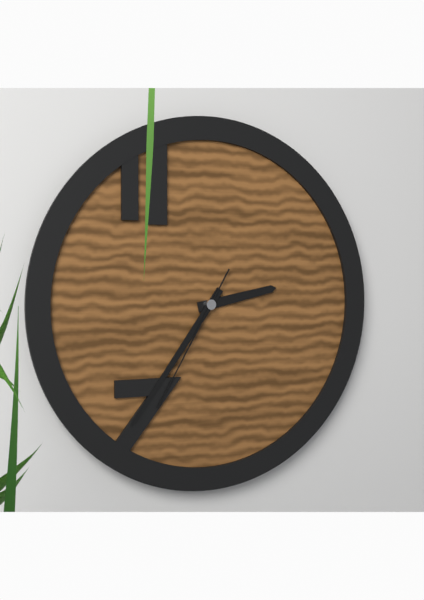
{"hour": 2, "minute": 36, "second": 35}
